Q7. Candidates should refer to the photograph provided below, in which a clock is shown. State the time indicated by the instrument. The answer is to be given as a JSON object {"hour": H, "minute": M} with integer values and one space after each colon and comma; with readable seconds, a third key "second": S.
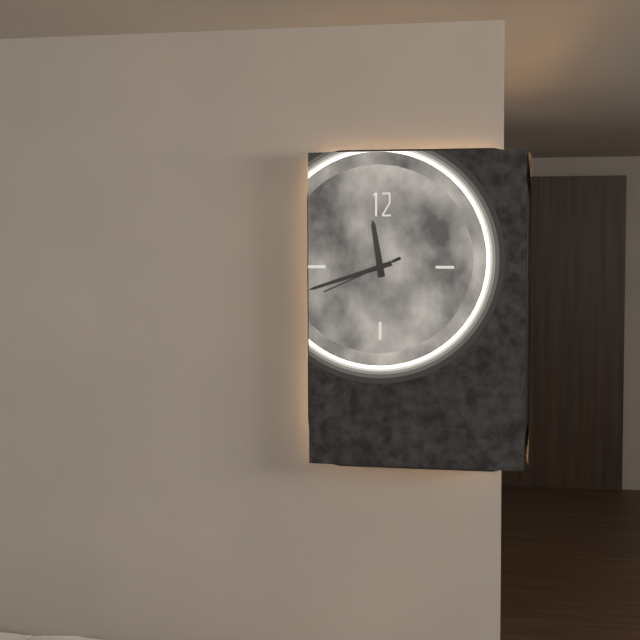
{"hour": 11, "minute": 42, "second": 41}
